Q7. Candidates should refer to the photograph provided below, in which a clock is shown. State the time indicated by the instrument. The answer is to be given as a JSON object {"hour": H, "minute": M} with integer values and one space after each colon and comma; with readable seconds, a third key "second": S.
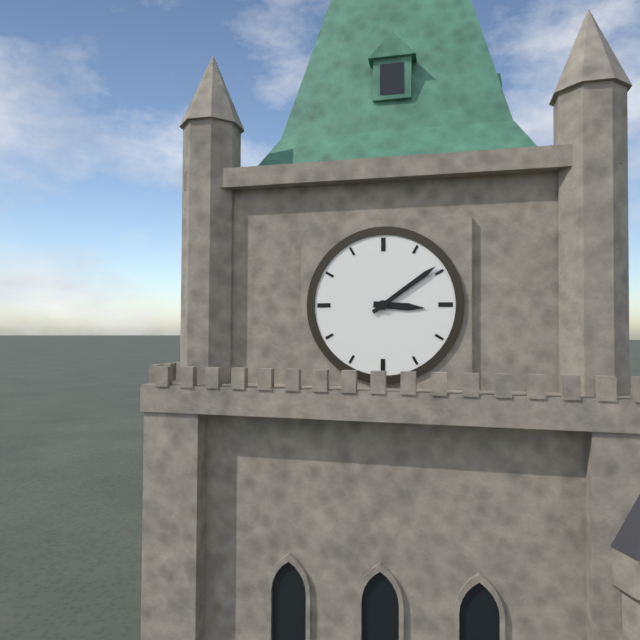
{"hour": 3, "minute": 9}
